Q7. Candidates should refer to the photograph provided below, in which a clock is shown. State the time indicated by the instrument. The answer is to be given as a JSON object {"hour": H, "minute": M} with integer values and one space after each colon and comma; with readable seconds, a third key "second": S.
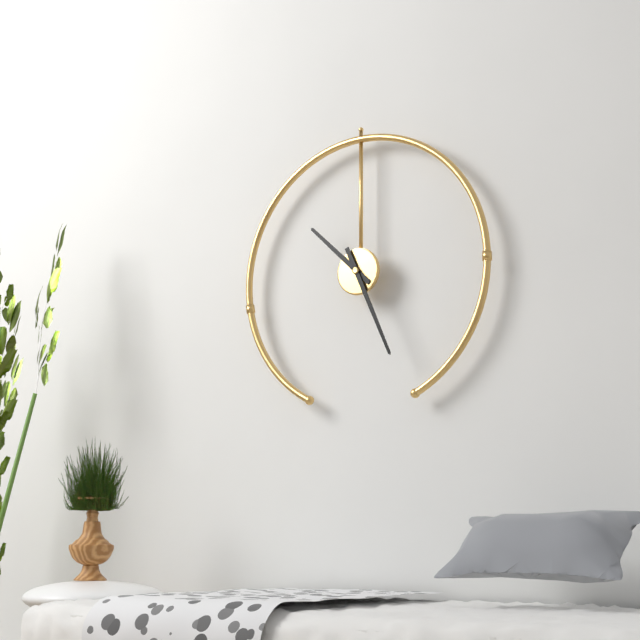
{"hour": 10, "minute": 26}
